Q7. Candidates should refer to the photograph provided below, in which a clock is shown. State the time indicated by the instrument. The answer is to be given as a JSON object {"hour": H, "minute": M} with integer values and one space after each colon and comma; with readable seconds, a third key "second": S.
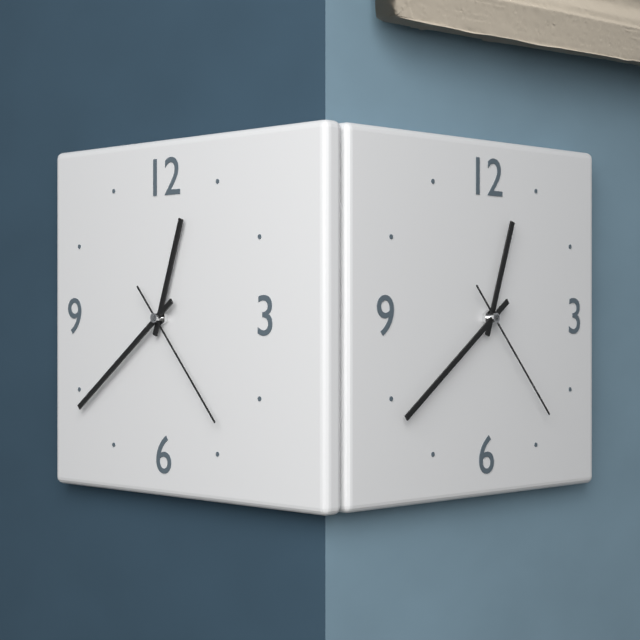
{"hour": 12, "minute": 39, "second": 23}
